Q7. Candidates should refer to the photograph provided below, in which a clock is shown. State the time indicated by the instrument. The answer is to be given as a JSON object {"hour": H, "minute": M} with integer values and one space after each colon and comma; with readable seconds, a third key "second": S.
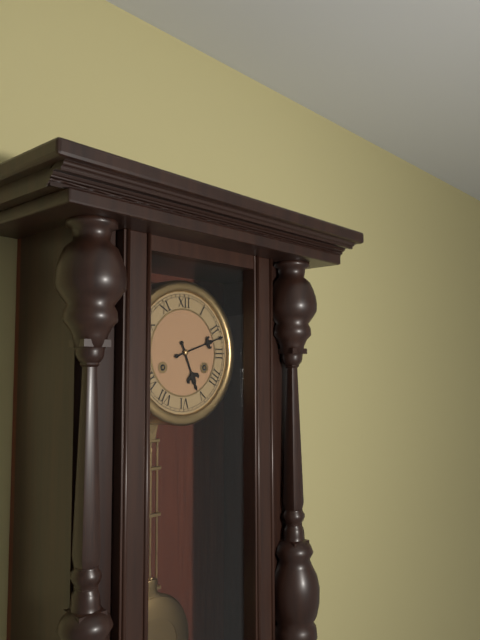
{"hour": 5, "minute": 12}
